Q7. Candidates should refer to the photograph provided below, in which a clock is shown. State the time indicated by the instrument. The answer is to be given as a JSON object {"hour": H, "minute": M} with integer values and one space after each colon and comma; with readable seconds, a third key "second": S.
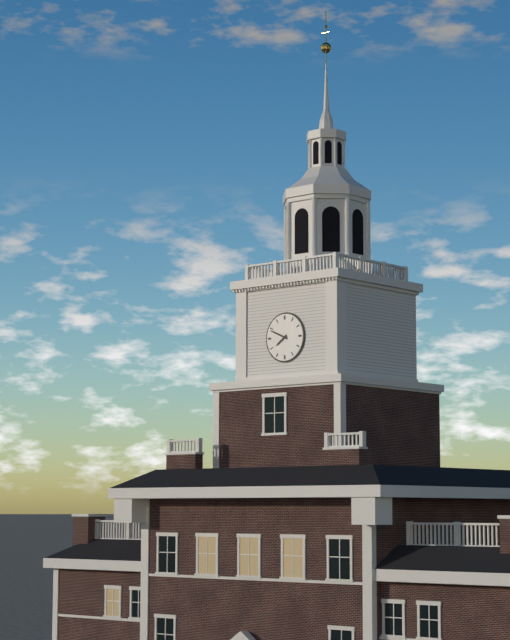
{"hour": 7, "minute": 49}
